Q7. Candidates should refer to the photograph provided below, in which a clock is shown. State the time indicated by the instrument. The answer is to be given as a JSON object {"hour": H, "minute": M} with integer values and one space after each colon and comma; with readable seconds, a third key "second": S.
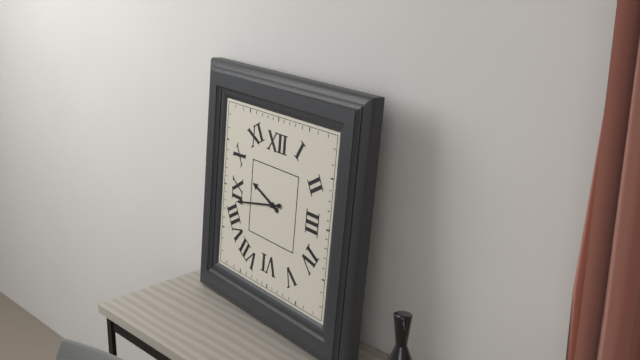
{"hour": 9, "minute": 43}
